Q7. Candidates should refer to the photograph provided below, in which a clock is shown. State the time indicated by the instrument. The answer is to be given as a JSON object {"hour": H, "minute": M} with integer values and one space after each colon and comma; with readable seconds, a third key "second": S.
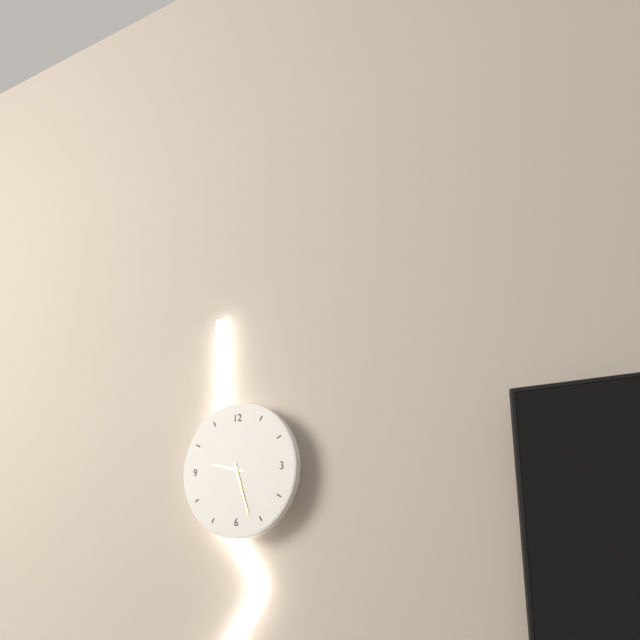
{"hour": 9, "minute": 27}
